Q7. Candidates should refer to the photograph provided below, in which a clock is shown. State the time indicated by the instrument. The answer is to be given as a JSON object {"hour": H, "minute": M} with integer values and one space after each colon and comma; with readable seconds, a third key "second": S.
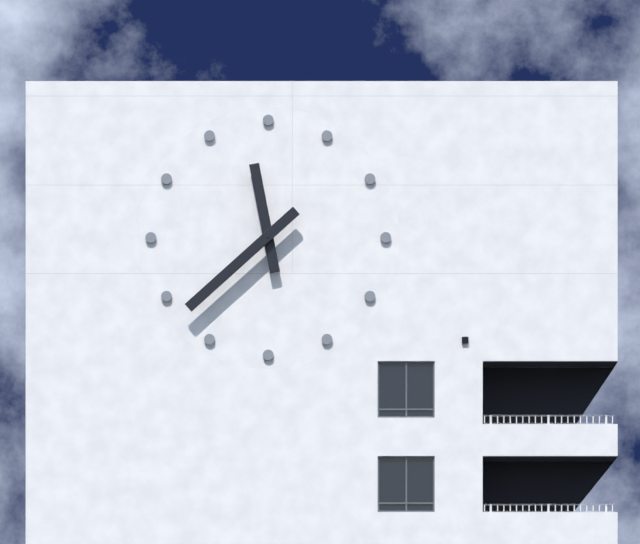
{"hour": 11, "minute": 38}
